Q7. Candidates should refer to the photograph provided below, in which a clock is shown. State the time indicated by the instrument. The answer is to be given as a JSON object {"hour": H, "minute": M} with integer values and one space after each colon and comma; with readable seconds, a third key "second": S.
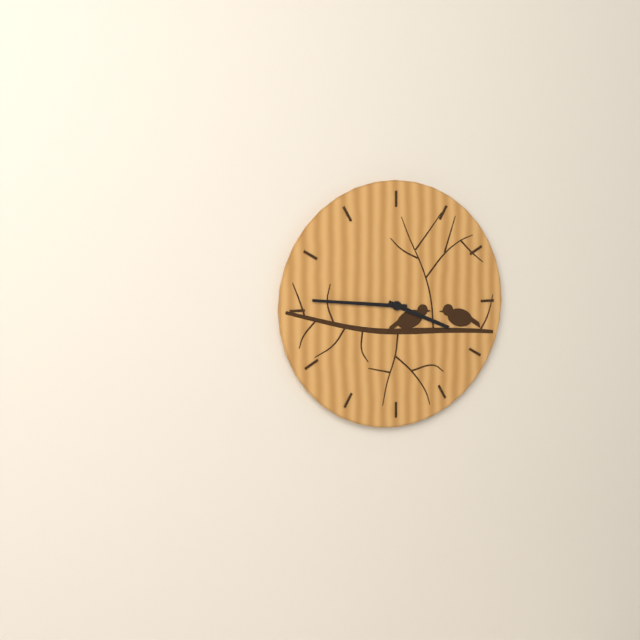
{"hour": 3, "minute": 46}
